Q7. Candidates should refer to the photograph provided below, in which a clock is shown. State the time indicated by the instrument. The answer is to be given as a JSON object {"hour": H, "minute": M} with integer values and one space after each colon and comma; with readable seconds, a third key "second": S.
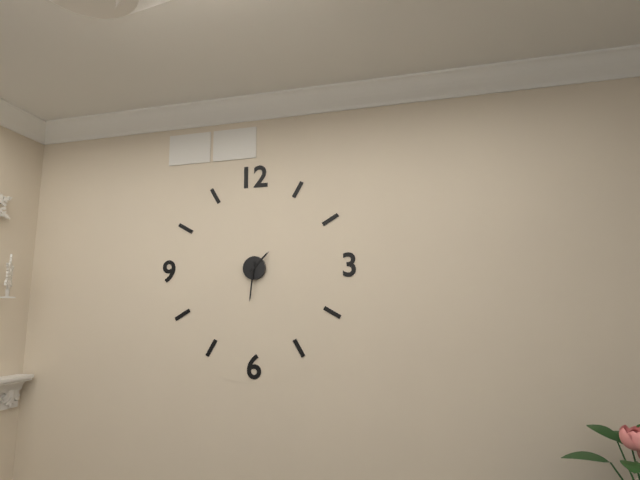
{"hour": 1, "minute": 31}
